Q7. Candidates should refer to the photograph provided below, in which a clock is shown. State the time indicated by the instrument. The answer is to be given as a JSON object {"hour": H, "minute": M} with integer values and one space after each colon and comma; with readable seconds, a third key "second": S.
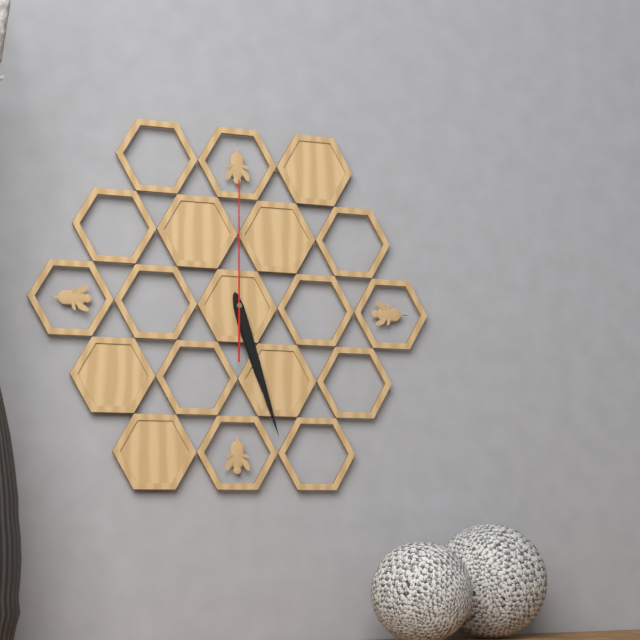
{"hour": 5, "minute": 27, "second": 0}
